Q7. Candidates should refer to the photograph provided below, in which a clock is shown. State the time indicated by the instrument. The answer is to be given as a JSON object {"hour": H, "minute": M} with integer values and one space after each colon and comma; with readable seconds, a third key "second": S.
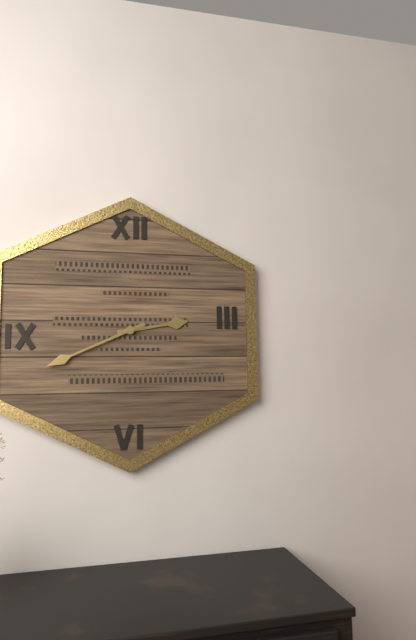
{"hour": 2, "minute": 41}
